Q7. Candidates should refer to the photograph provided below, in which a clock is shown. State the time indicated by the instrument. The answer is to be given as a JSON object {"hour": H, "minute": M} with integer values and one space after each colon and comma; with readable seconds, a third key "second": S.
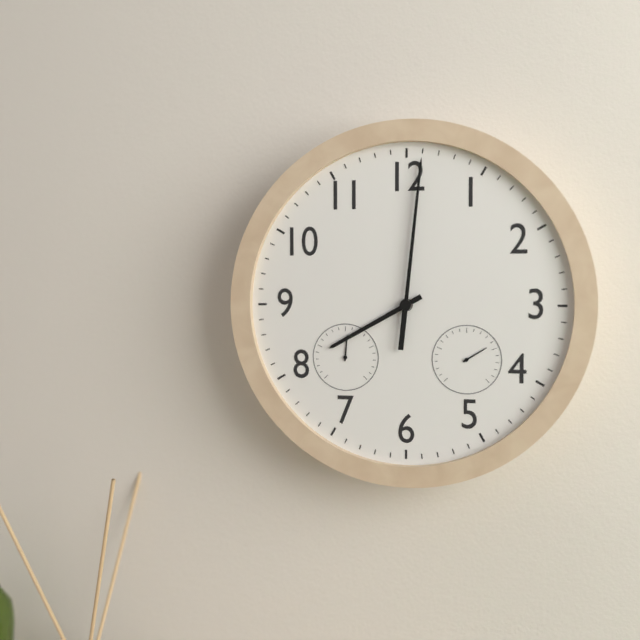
{"hour": 8, "minute": 1, "second": 1}
